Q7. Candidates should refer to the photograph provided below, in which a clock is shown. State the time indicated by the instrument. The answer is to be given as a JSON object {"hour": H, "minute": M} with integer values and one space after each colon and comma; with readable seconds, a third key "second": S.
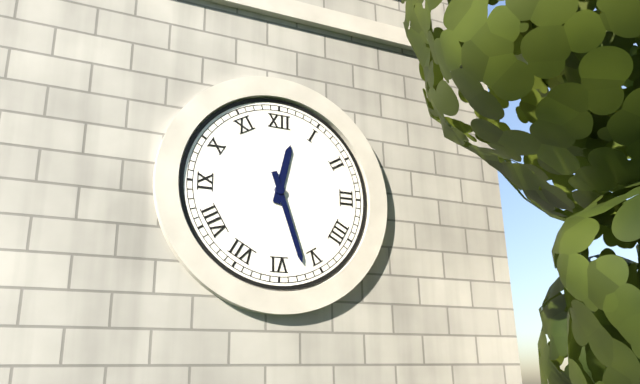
{"hour": 12, "minute": 27}
